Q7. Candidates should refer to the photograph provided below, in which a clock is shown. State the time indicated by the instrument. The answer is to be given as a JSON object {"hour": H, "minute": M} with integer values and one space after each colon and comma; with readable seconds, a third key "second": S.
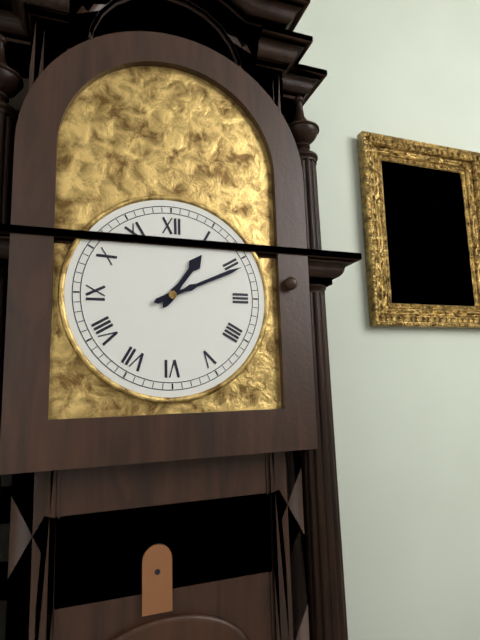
{"hour": 1, "minute": 11}
